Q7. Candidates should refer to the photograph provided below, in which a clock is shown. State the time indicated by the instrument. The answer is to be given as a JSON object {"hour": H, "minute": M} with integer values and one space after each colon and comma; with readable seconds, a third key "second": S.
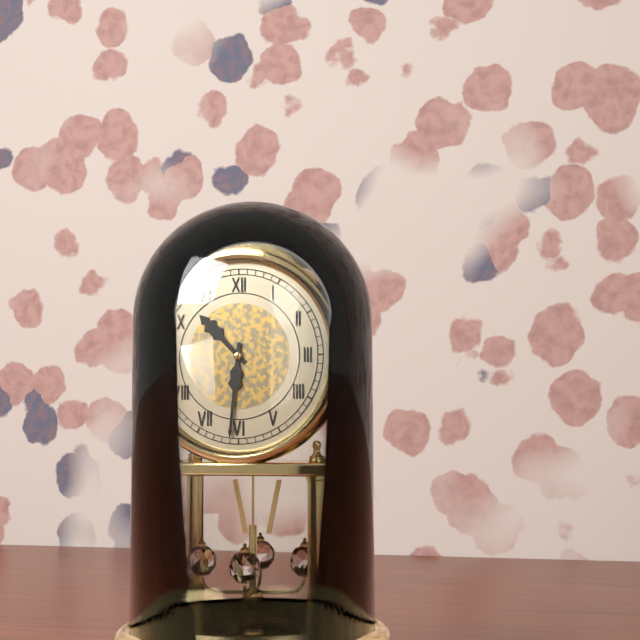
{"hour": 10, "minute": 31}
